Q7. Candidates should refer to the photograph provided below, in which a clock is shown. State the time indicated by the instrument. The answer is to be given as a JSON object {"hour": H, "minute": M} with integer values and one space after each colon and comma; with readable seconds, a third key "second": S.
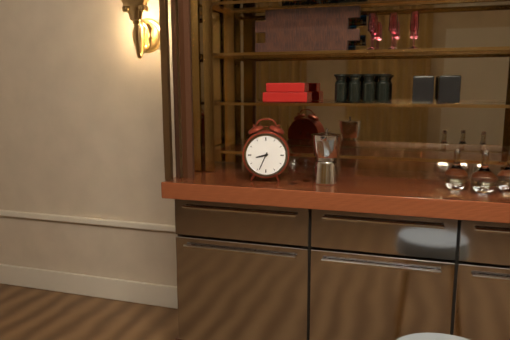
{"hour": 8, "minute": 34}
